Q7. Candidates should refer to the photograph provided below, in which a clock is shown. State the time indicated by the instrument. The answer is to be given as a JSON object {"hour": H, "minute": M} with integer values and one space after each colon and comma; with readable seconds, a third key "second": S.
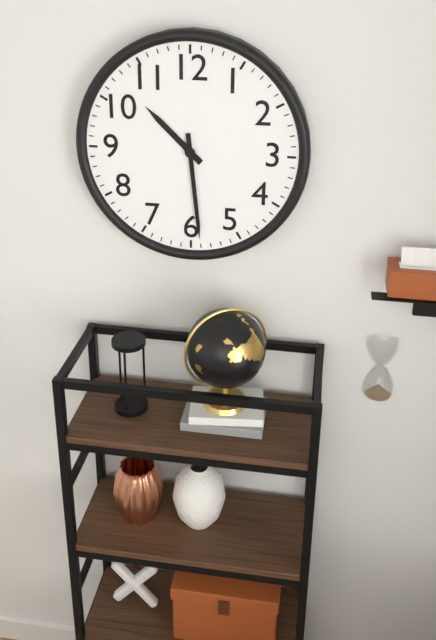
{"hour": 10, "minute": 29}
